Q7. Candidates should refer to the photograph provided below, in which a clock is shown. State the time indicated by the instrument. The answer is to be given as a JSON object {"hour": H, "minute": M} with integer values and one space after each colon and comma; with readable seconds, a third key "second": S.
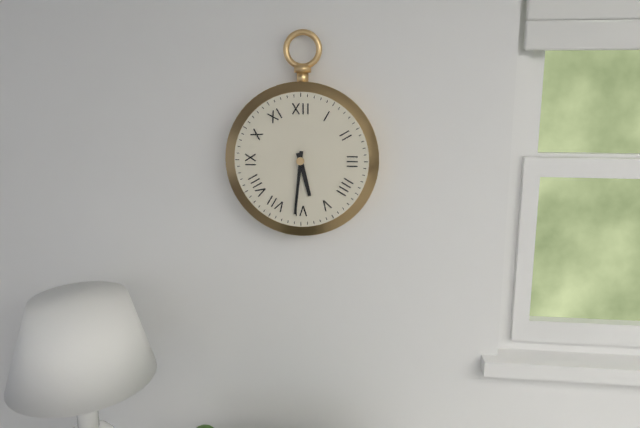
{"hour": 5, "minute": 31}
